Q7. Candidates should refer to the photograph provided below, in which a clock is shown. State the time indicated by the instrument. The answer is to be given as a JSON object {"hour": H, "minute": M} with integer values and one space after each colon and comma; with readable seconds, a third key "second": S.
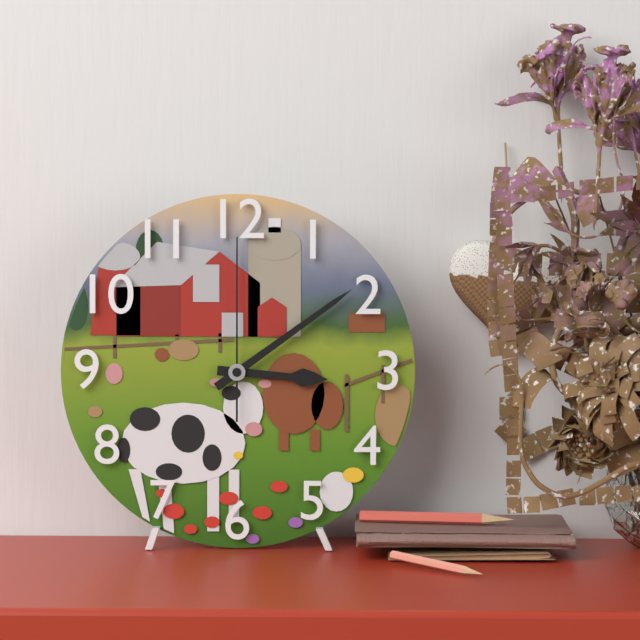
{"hour": 3, "minute": 9, "second": 0}
